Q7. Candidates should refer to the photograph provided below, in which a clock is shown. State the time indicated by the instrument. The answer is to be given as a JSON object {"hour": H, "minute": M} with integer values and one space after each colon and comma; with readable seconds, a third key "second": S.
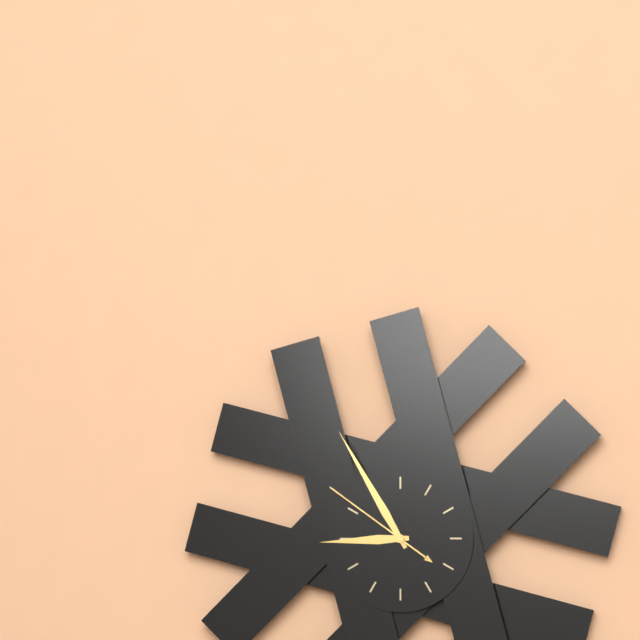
{"hour": 8, "minute": 55, "second": 51}
